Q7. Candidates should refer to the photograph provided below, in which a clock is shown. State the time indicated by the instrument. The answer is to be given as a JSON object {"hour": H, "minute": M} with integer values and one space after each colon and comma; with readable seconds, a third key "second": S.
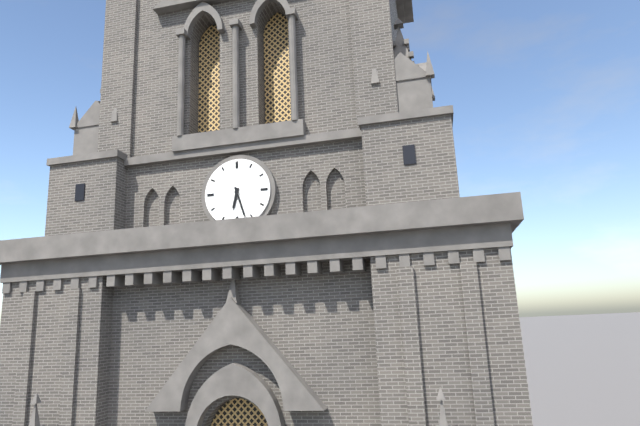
{"hour": 6, "minute": 27}
